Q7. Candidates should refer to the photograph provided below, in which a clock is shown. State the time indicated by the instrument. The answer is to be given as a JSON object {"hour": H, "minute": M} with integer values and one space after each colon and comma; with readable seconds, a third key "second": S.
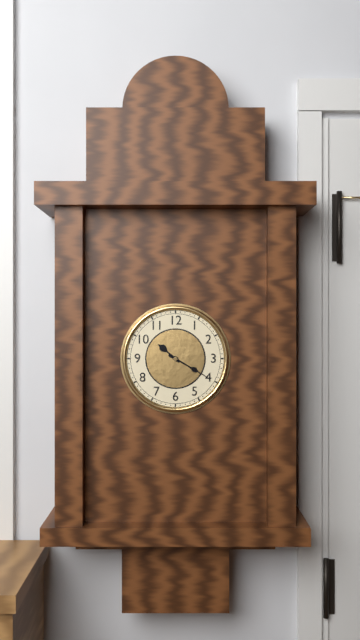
{"hour": 10, "minute": 20}
